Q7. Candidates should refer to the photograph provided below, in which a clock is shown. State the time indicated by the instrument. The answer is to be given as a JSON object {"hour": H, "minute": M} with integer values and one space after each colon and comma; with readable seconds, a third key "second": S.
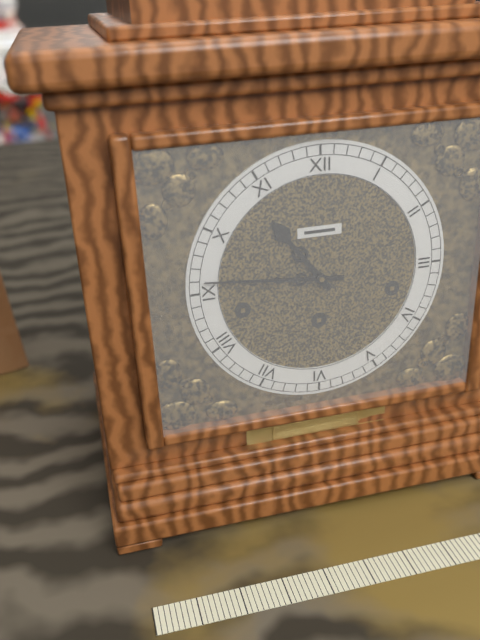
{"hour": 10, "minute": 46}
